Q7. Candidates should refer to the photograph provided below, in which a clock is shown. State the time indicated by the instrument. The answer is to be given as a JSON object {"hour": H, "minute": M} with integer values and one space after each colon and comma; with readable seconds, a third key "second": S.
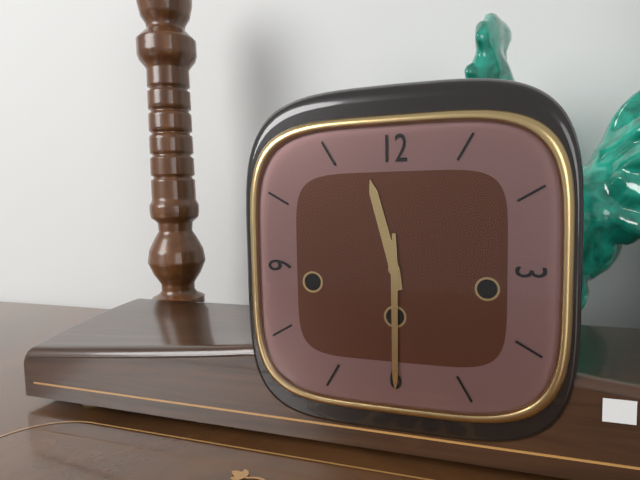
{"hour": 11, "minute": 30}
